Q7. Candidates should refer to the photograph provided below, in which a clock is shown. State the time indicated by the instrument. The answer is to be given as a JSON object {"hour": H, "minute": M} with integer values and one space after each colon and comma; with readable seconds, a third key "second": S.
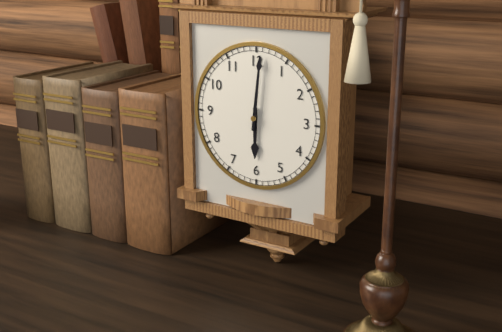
{"hour": 6, "minute": 1}
